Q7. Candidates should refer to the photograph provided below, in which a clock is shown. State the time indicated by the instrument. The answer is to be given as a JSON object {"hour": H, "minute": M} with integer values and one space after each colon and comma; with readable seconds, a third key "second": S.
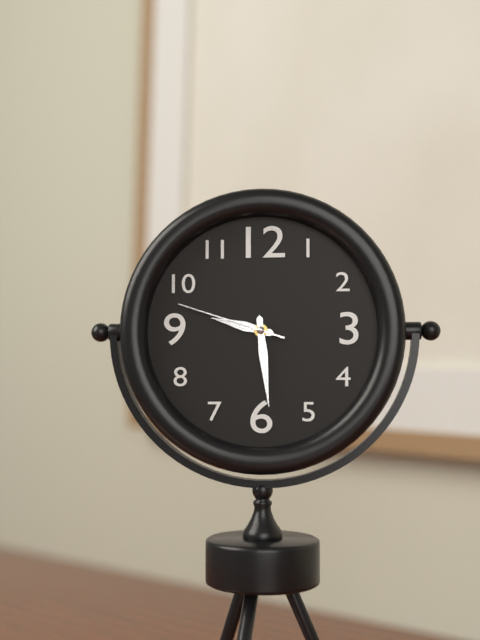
{"hour": 9, "minute": 29, "second": 48}
